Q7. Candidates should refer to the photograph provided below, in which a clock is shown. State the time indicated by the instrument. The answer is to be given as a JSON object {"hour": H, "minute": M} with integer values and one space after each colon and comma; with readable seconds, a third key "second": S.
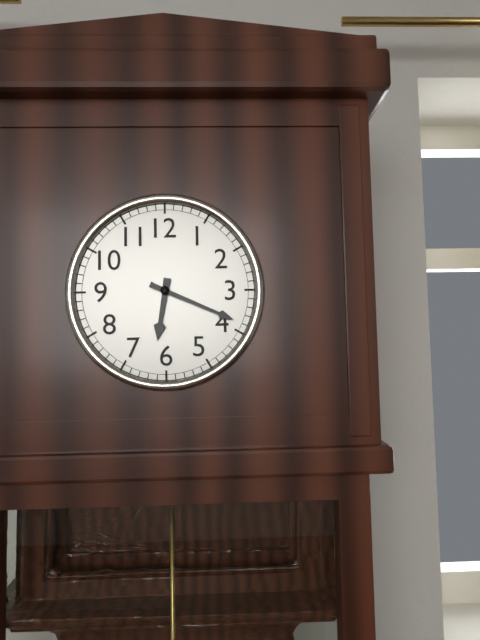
{"hour": 6, "minute": 19}
